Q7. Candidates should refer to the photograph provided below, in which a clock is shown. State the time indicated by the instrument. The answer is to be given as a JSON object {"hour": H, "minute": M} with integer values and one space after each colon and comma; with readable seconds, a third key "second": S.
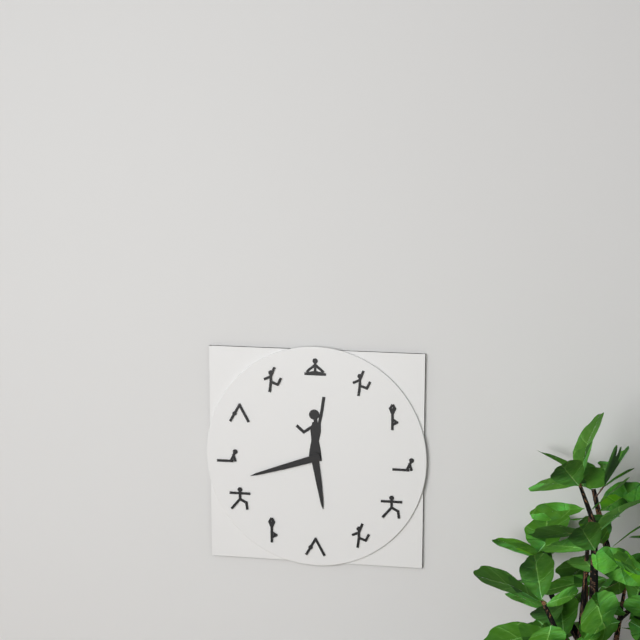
{"hour": 5, "minute": 42}
